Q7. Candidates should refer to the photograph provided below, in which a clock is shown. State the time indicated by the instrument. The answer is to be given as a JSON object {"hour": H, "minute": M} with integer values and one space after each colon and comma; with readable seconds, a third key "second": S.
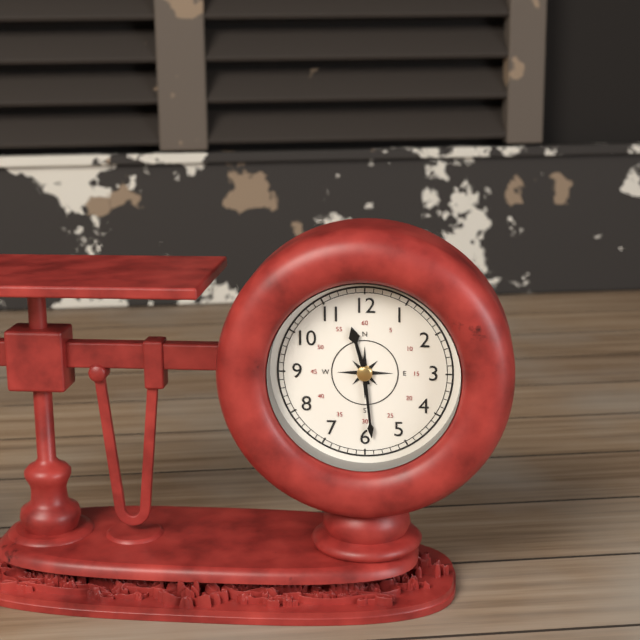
{"hour": 11, "minute": 29}
